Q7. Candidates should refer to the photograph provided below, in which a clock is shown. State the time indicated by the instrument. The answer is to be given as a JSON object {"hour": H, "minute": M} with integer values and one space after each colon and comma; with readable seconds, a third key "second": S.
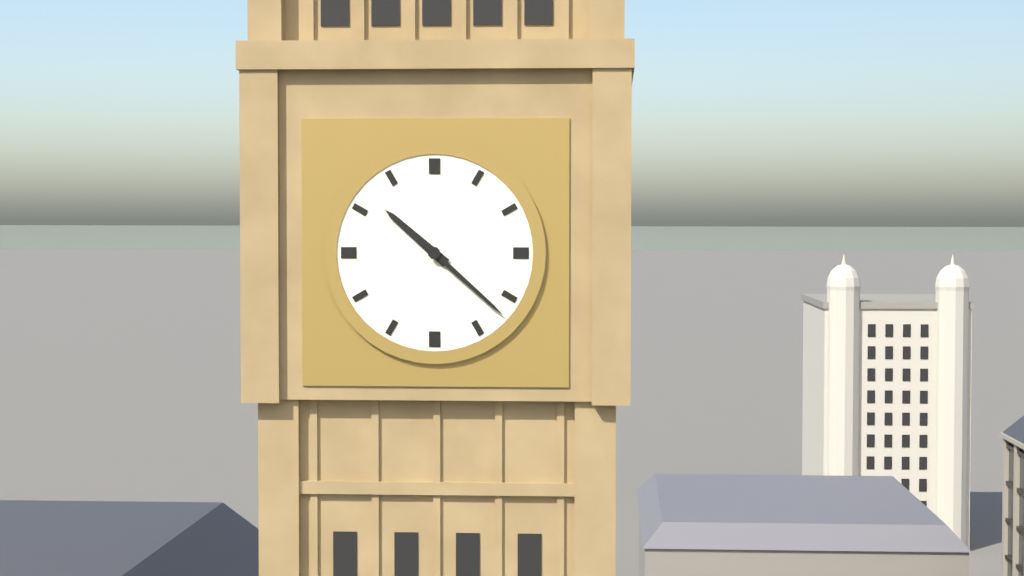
{"hour": 10, "minute": 22}
